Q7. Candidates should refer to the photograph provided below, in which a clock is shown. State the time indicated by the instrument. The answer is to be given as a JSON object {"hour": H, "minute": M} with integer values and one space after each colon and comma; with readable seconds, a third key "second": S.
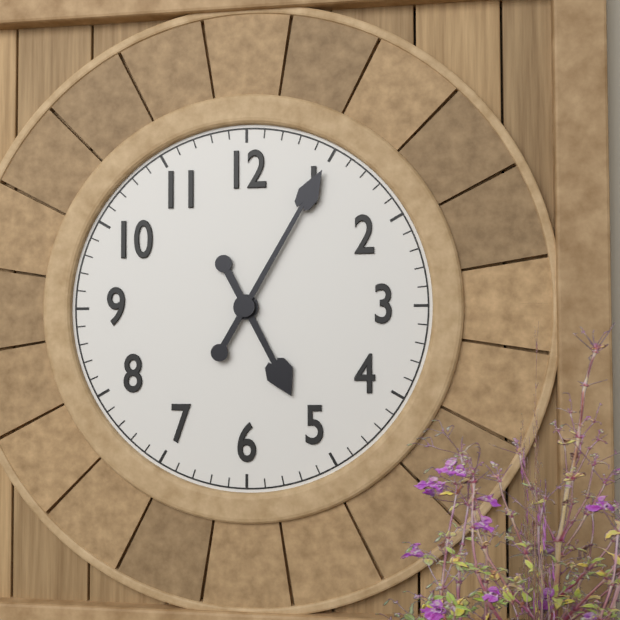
{"hour": 5, "minute": 5}
